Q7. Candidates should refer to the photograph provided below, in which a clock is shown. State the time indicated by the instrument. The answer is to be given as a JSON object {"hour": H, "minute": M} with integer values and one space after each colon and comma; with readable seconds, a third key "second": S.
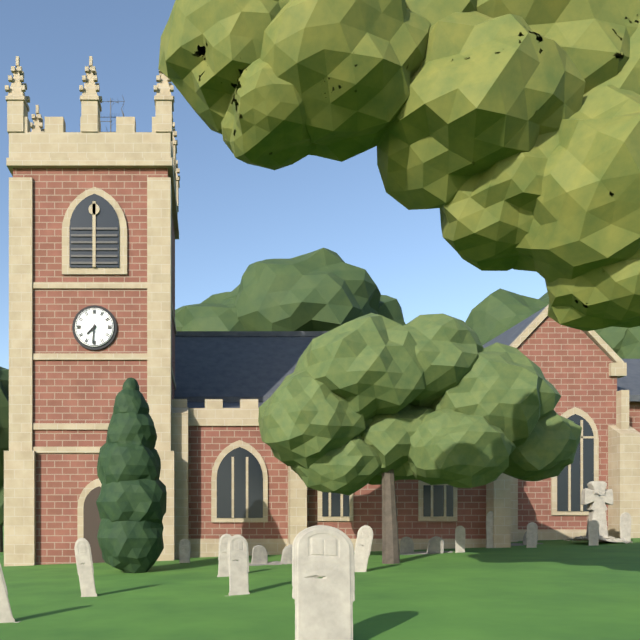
{"hour": 7, "minute": 31}
